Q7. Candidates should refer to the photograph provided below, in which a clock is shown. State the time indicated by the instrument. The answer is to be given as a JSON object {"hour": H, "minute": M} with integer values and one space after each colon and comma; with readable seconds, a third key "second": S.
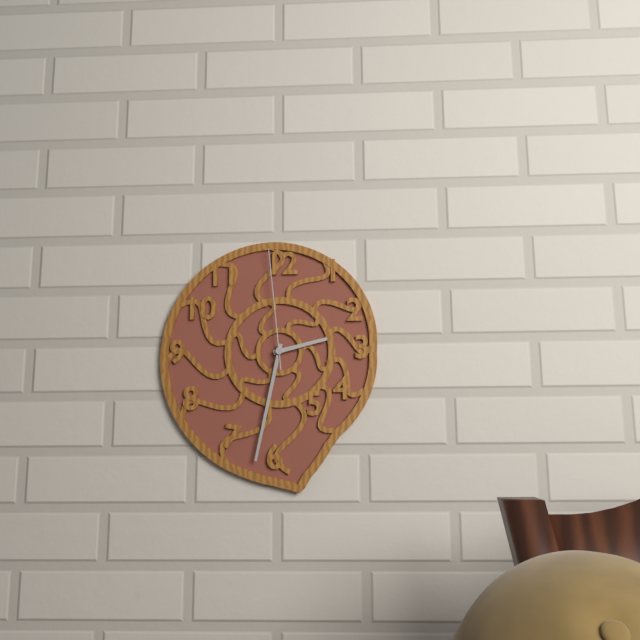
{"hour": 2, "minute": 32, "second": 59}
